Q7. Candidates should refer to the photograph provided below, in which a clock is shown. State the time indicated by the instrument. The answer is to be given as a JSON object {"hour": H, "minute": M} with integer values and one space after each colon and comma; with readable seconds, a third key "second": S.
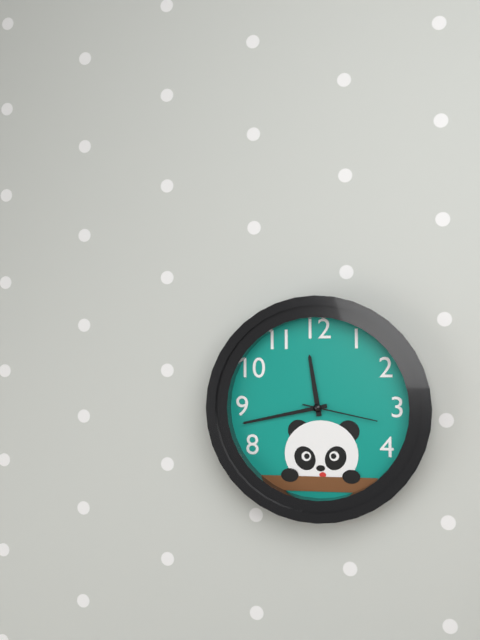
{"hour": 11, "minute": 43, "second": 17}
